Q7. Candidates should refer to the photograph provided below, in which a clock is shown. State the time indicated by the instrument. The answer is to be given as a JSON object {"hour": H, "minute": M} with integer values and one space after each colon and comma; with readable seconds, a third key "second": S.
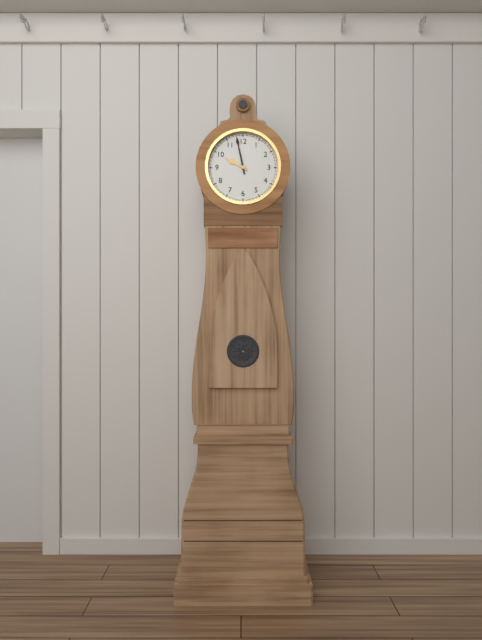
{"hour": 9, "minute": 58}
